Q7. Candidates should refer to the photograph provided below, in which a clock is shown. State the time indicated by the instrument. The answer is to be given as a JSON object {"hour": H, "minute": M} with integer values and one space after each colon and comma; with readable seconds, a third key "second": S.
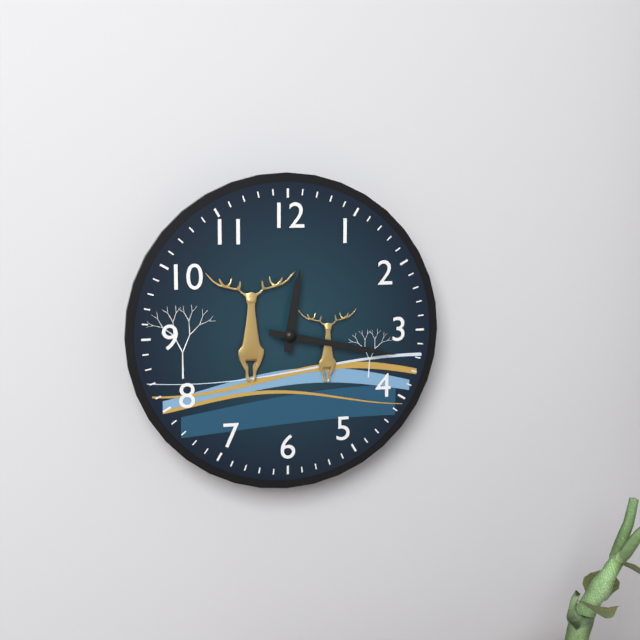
{"hour": 12, "minute": 17}
